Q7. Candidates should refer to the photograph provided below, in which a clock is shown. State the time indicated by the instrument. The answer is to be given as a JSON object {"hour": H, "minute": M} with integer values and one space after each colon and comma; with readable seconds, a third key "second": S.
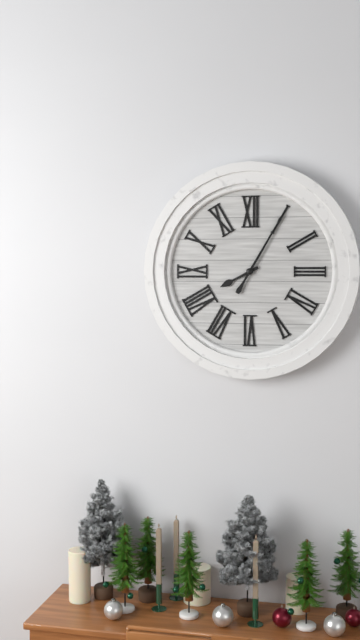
{"hour": 8, "minute": 5}
